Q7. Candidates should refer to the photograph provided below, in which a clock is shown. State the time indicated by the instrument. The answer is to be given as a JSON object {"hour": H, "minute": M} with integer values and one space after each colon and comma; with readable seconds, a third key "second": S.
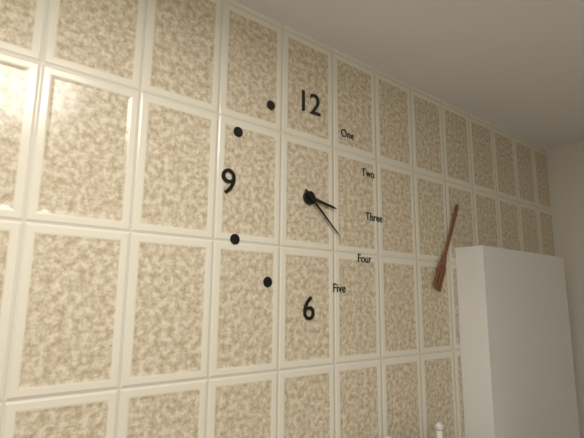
{"hour": 3, "minute": 22}
